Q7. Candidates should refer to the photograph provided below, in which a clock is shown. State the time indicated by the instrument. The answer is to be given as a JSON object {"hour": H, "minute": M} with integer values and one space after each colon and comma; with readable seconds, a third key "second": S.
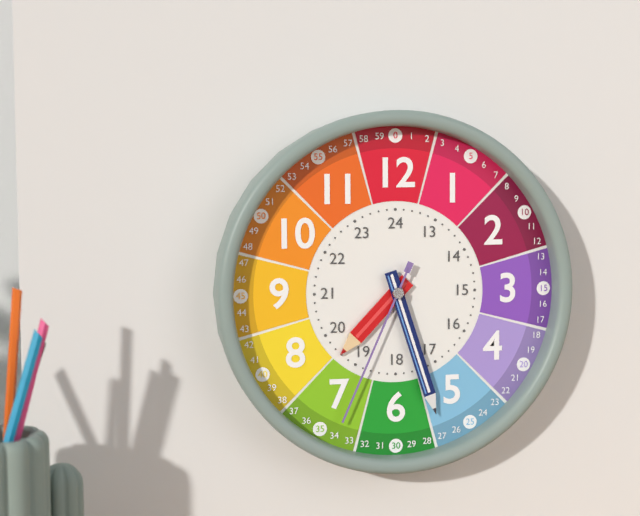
{"hour": 7, "minute": 27, "second": 34}
